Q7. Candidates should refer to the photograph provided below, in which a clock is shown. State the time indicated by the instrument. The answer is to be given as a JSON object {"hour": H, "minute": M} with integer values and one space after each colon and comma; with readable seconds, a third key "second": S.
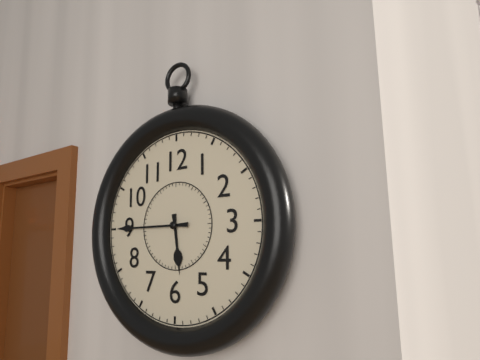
{"hour": 5, "minute": 45}
